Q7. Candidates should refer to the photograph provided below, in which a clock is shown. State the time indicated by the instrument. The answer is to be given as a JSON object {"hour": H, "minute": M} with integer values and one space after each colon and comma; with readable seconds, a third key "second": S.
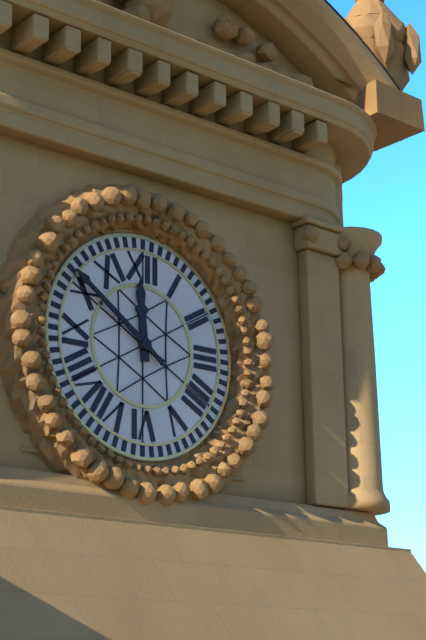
{"hour": 11, "minute": 51}
